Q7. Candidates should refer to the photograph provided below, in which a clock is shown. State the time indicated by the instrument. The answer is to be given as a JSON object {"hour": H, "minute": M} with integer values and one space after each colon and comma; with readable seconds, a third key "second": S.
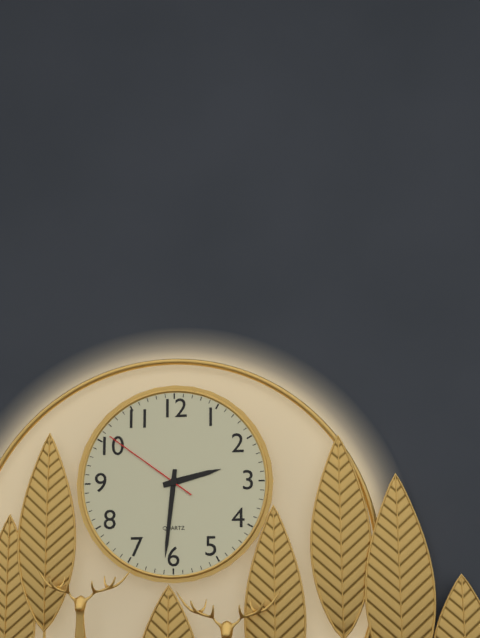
{"hour": 2, "minute": 31, "second": 51}
